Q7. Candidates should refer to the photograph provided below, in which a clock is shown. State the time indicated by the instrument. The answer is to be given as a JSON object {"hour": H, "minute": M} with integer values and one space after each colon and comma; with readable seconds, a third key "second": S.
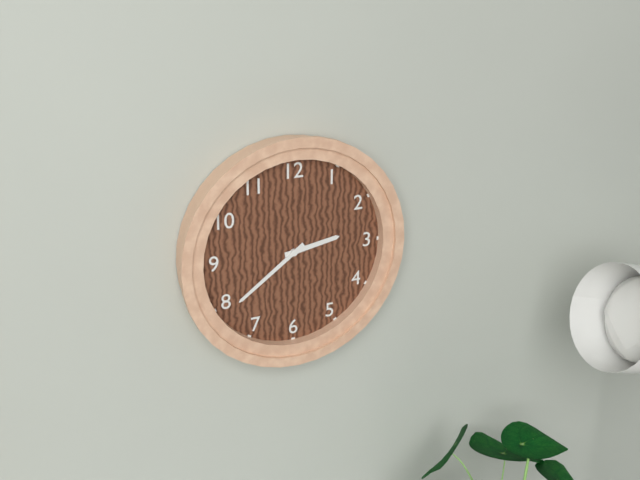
{"hour": 2, "minute": 39}
